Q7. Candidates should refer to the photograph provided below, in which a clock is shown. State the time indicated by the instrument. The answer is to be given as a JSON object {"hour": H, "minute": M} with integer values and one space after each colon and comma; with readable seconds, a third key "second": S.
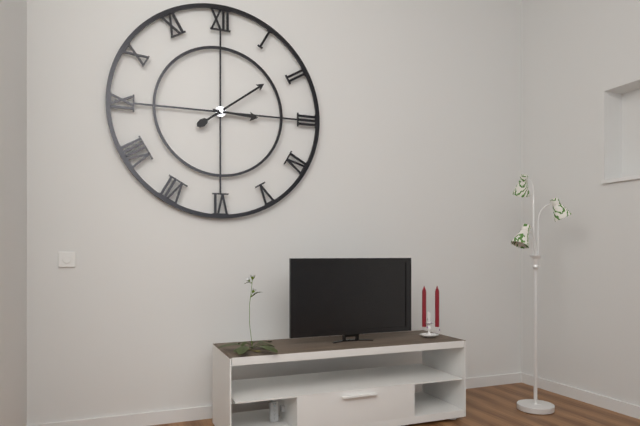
{"hour": 3, "minute": 9}
